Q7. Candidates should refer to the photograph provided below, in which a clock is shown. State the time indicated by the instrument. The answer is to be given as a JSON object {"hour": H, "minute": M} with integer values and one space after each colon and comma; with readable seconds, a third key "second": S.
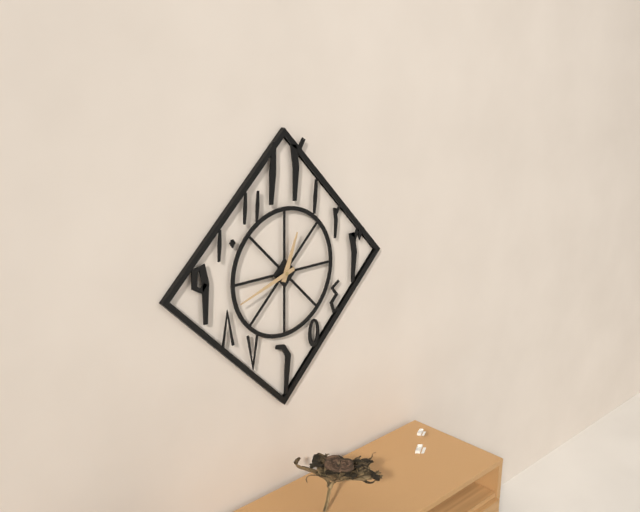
{"hour": 12, "minute": 42}
